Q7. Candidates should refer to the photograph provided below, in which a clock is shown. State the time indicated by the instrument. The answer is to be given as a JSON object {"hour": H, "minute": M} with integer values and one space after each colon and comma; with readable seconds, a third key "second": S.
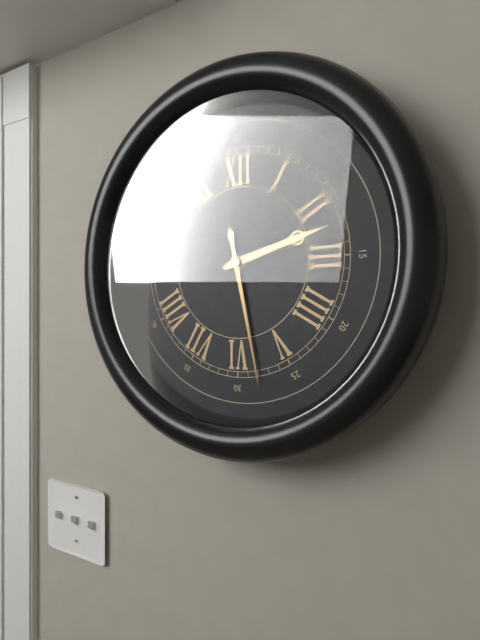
{"hour": 2, "minute": 28}
